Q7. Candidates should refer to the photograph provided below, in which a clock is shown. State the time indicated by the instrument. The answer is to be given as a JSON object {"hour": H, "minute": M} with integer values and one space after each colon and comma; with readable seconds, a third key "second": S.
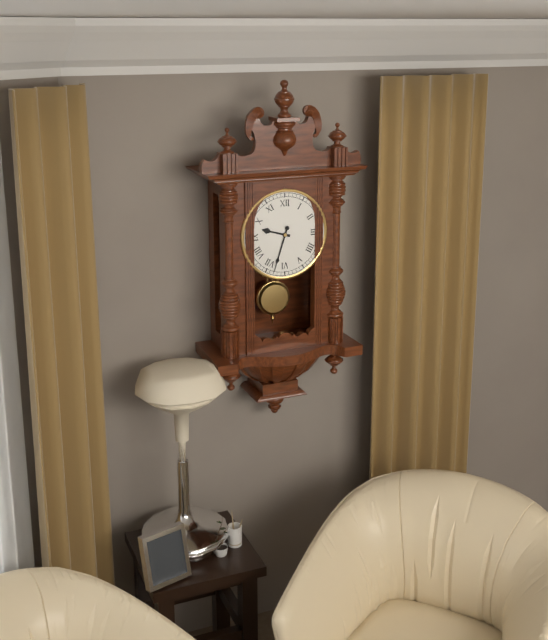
{"hour": 9, "minute": 33}
